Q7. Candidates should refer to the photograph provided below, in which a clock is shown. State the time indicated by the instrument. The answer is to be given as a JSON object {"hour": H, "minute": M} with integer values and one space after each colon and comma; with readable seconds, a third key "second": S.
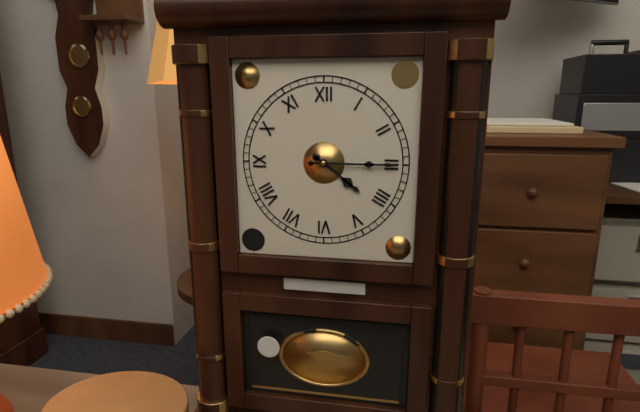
{"hour": 4, "minute": 15}
